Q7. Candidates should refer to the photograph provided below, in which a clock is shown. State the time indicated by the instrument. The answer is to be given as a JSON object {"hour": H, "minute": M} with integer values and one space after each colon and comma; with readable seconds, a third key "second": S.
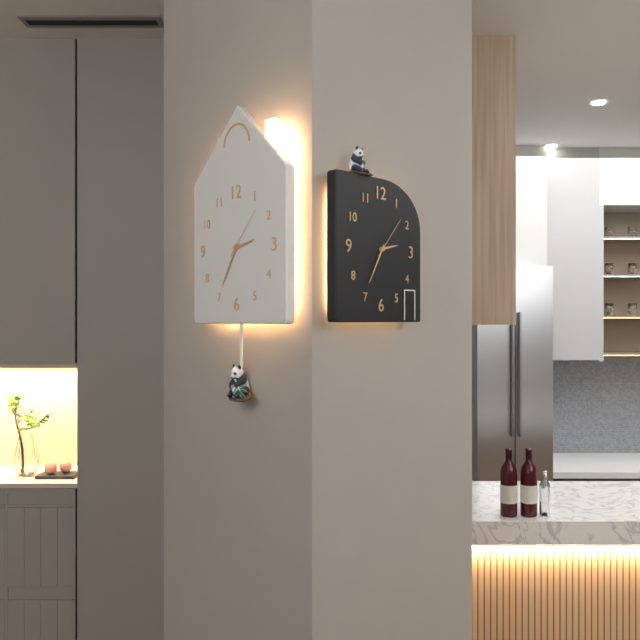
{"hour": 2, "minute": 35, "second": 7}
